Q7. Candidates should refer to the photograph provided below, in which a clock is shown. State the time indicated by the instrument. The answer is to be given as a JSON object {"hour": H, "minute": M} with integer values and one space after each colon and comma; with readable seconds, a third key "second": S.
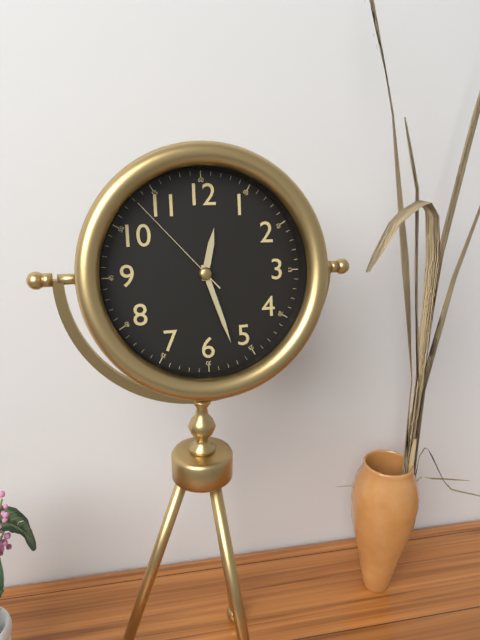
{"hour": 12, "minute": 27, "second": 53}
